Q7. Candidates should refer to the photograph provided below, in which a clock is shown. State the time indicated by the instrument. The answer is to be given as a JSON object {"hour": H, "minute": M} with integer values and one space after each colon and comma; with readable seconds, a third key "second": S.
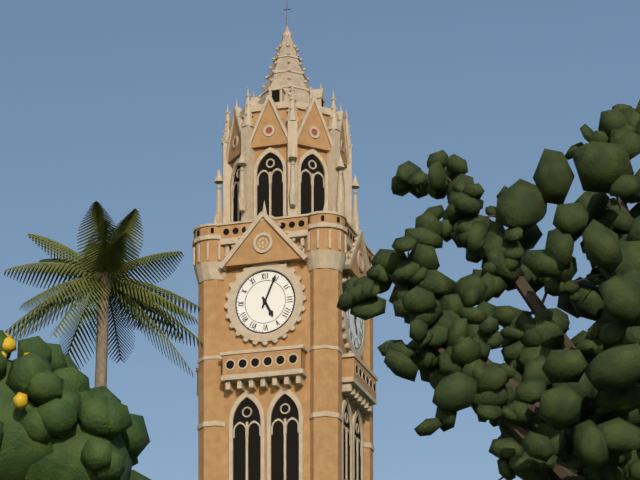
{"hour": 5, "minute": 4}
